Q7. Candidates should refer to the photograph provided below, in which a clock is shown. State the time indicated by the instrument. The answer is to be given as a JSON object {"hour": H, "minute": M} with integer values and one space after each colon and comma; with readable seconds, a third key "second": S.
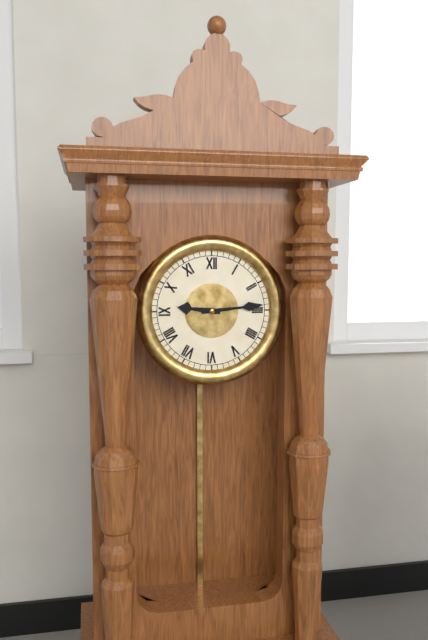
{"hour": 9, "minute": 14}
